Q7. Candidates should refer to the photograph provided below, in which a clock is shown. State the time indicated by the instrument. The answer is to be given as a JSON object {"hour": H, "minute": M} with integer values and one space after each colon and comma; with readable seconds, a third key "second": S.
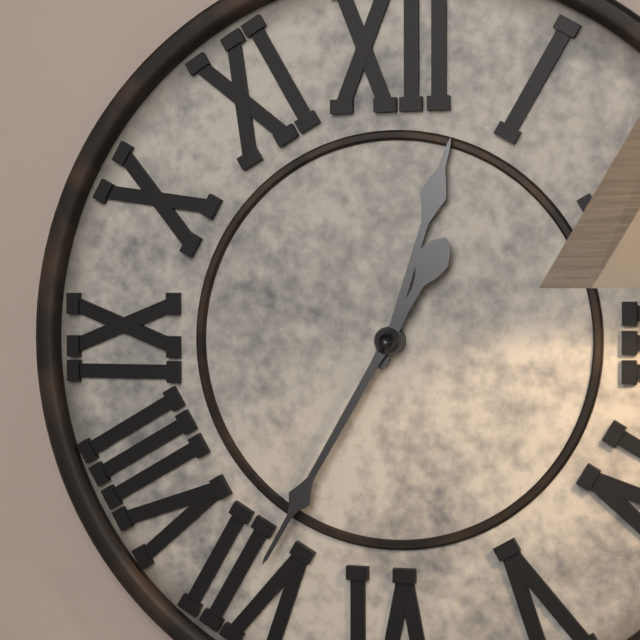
{"hour": 12, "minute": 35}
